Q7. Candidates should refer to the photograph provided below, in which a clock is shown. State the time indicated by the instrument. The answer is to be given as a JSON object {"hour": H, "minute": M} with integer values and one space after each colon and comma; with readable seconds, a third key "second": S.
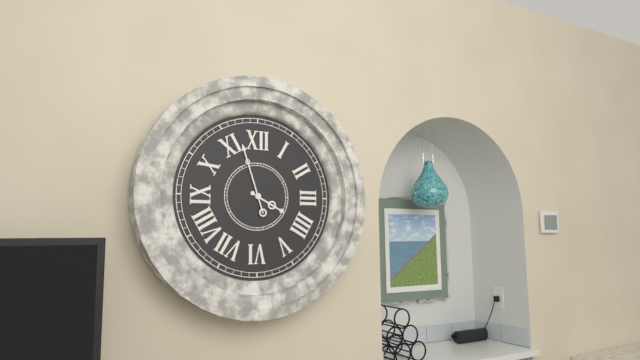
{"hour": 3, "minute": 57}
